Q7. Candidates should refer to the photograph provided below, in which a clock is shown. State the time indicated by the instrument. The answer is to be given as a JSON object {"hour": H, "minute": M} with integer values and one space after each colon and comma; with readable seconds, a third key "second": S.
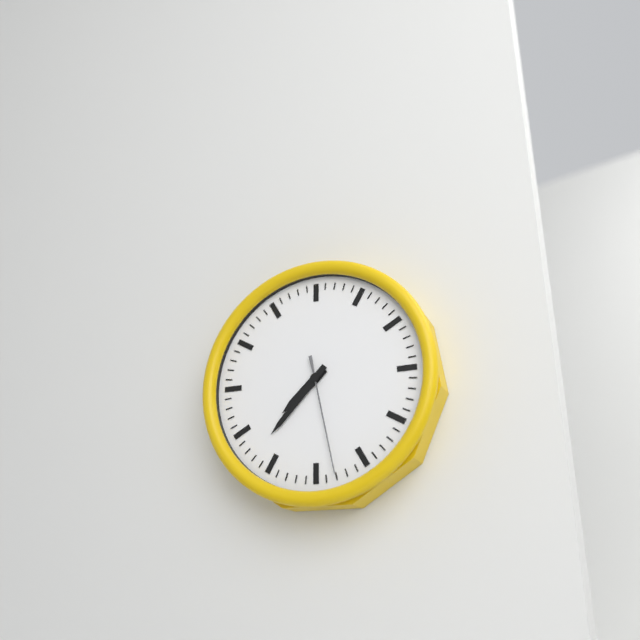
{"hour": 7, "minute": 37, "second": 28}
